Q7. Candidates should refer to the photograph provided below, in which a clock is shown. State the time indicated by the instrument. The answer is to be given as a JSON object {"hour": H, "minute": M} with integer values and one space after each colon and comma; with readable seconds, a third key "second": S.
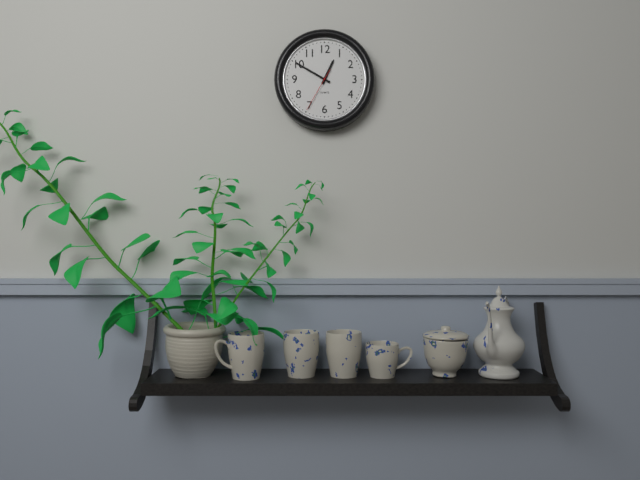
{"hour": 12, "minute": 50}
